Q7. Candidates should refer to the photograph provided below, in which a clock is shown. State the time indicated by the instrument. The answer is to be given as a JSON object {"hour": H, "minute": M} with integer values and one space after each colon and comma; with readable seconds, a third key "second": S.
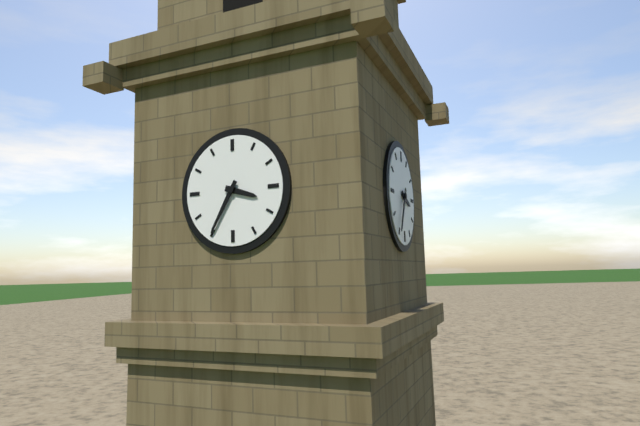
{"hour": 3, "minute": 35}
